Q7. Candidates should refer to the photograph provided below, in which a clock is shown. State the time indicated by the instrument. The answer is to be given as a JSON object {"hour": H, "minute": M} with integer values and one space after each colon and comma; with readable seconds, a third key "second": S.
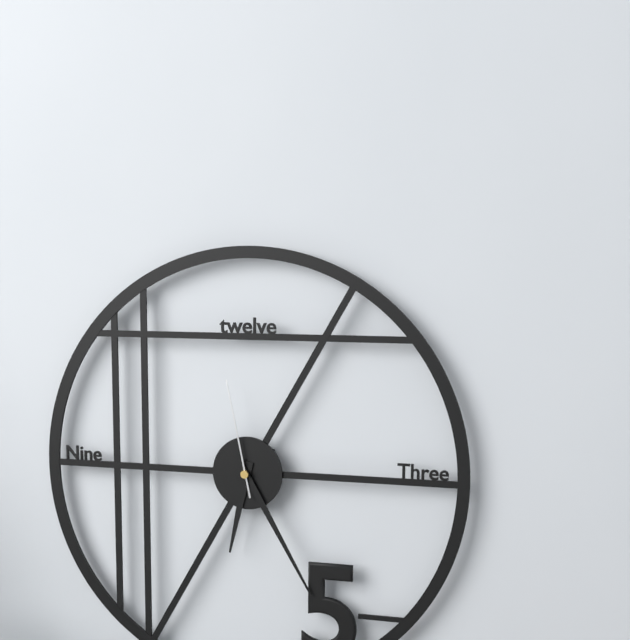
{"hour": 6, "minute": 25, "second": 58}
